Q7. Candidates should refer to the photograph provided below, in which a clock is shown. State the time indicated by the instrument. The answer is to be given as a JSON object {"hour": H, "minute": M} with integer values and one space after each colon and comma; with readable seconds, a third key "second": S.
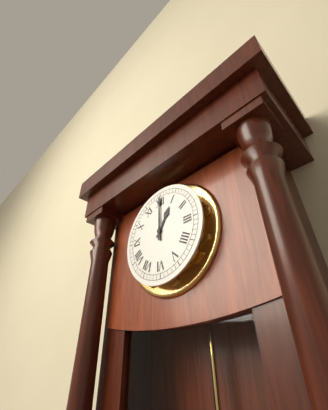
{"hour": 1, "minute": 0}
